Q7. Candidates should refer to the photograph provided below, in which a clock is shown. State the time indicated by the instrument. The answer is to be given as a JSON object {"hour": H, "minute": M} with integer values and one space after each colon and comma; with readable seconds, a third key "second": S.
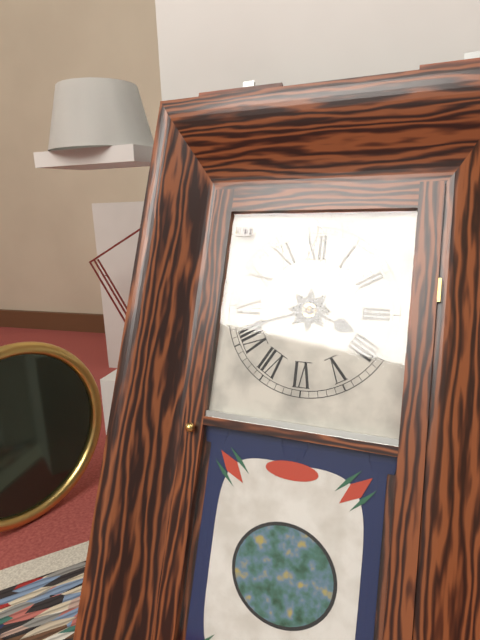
{"hour": 3, "minute": 42}
